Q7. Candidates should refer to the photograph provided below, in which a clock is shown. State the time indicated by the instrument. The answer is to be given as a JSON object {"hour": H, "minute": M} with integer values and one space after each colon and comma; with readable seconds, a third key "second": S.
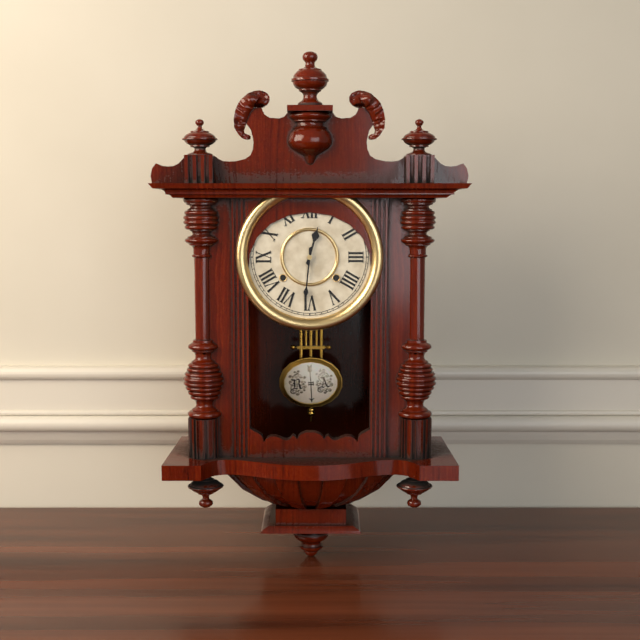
{"hour": 12, "minute": 31}
